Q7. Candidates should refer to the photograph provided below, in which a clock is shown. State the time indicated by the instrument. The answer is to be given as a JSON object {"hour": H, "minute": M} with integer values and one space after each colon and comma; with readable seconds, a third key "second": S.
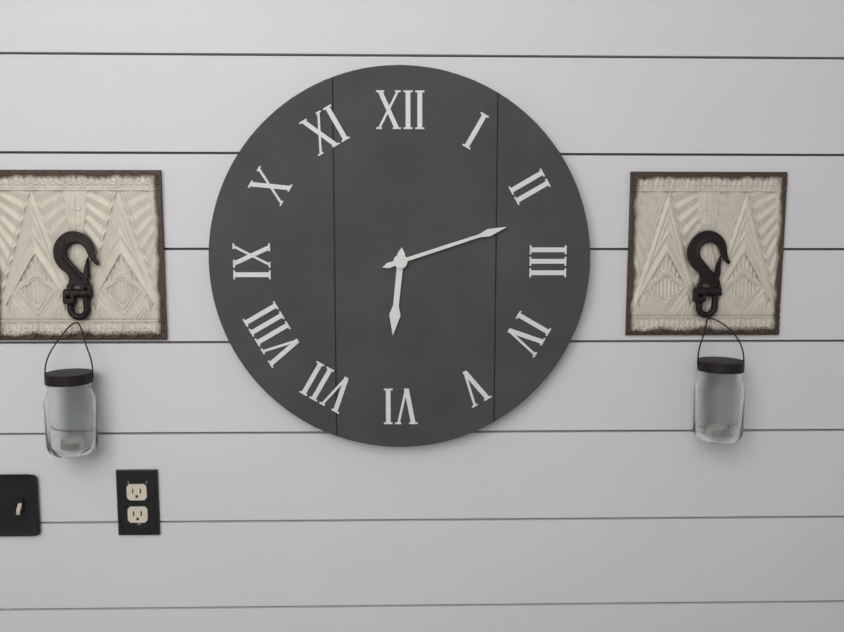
{"hour": 6, "minute": 12}
